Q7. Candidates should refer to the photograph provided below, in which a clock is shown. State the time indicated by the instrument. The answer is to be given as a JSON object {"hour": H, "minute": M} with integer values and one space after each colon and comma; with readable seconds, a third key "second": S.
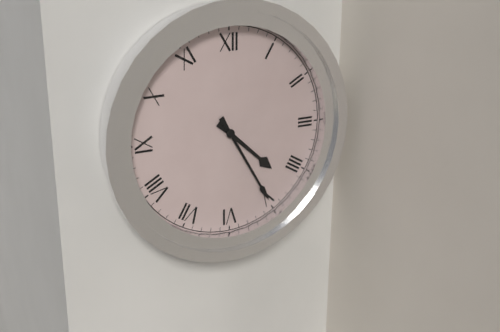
{"hour": 4, "minute": 25}
